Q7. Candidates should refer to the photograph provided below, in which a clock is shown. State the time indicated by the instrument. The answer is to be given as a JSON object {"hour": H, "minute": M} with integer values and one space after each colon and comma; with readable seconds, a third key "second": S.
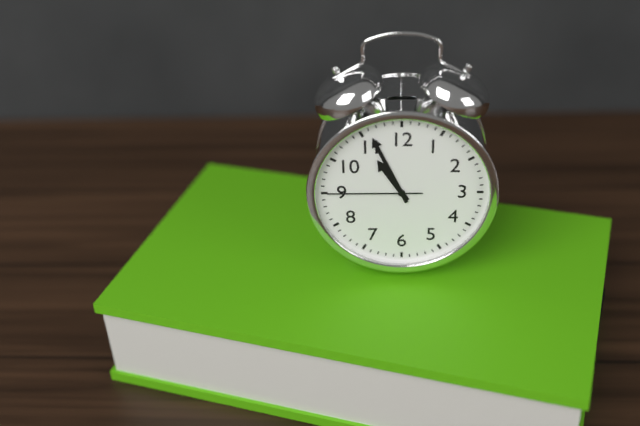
{"hour": 10, "minute": 56, "second": 45}
